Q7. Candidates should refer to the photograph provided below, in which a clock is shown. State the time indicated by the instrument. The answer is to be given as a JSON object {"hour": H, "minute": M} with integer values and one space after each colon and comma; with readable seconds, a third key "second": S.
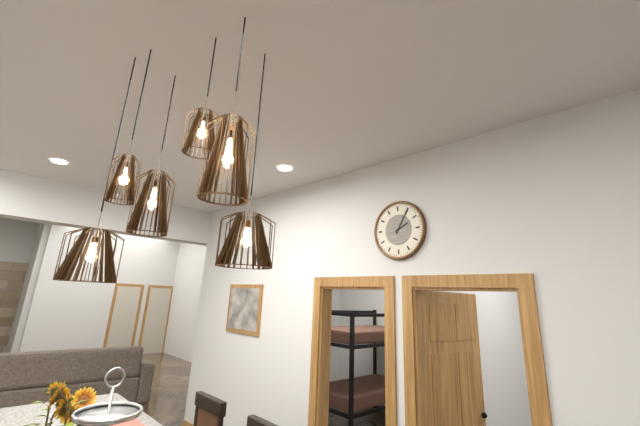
{"hour": 2, "minute": 5}
